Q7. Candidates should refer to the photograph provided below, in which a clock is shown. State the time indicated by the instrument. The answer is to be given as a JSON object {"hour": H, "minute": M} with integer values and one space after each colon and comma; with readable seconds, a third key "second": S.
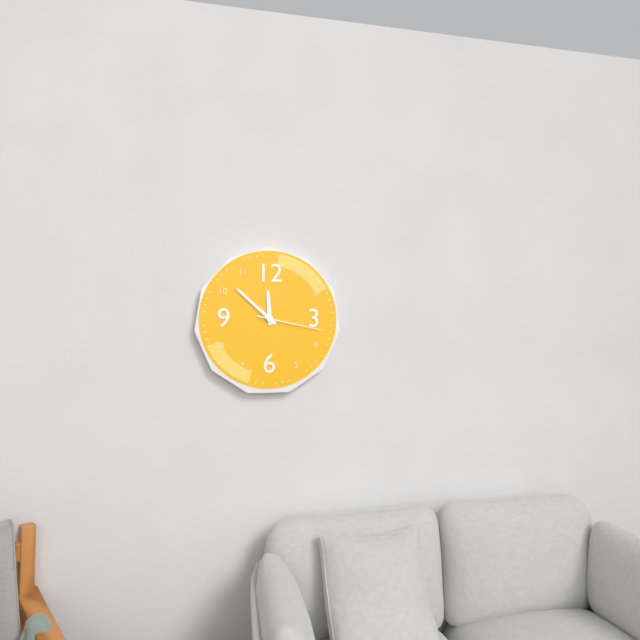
{"hour": 11, "minute": 52, "second": 17}
